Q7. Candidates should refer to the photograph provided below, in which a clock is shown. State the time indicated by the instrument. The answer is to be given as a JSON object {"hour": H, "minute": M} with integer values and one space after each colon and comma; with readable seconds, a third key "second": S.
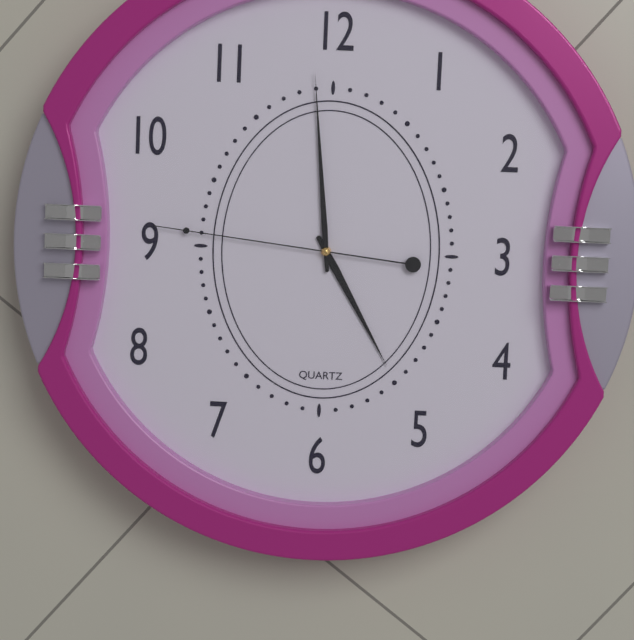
{"hour": 4, "minute": 59, "second": 46}
